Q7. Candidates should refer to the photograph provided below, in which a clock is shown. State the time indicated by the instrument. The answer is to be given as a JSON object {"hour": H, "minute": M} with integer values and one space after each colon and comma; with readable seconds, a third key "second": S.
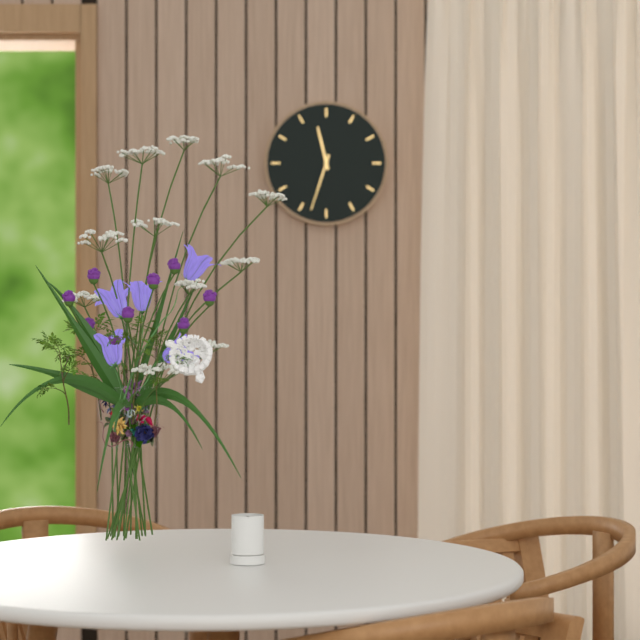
{"hour": 11, "minute": 33}
